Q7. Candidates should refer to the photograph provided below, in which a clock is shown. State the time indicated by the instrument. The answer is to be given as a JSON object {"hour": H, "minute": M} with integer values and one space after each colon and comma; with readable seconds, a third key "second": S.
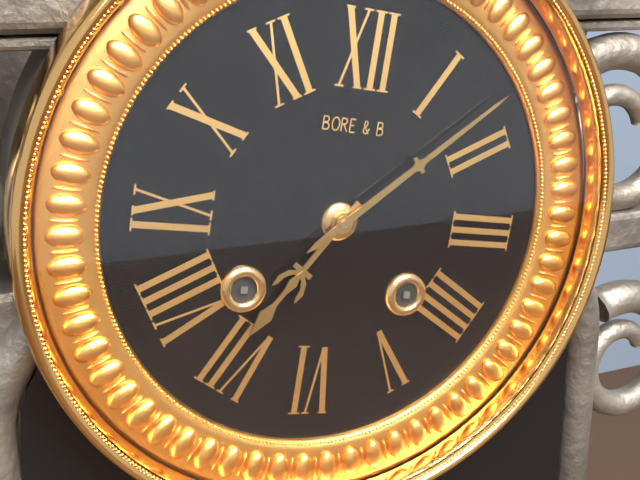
{"hour": 7, "minute": 8}
